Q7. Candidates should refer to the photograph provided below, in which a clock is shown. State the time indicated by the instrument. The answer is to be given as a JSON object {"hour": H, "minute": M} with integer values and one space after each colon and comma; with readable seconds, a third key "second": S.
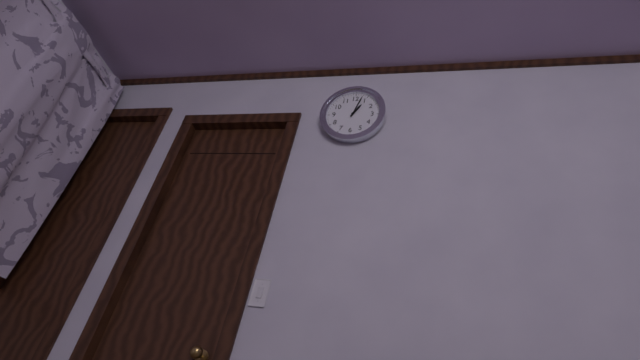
{"hour": 1, "minute": 3}
